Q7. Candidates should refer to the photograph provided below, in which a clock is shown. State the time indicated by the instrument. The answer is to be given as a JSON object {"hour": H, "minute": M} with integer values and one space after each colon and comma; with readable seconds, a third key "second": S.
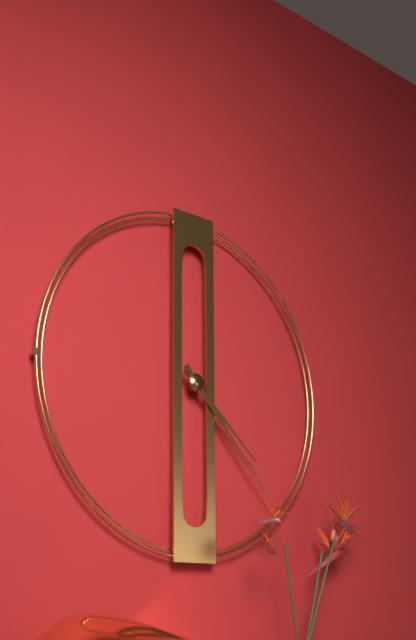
{"hour": 4, "minute": 23}
